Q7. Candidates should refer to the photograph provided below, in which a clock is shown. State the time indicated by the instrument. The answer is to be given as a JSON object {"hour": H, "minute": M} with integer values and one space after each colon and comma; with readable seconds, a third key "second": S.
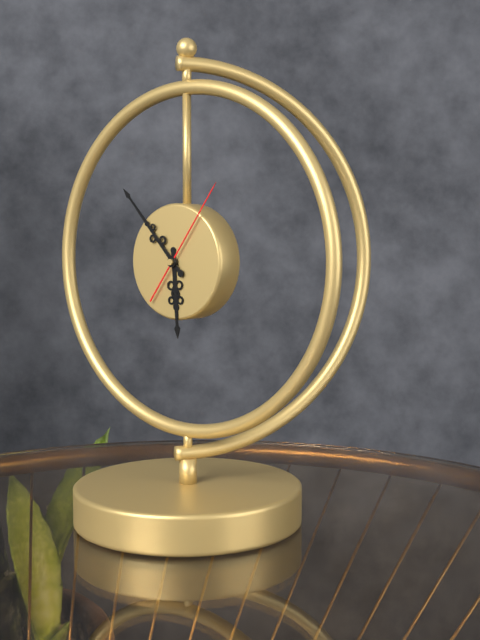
{"hour": 5, "minute": 53, "second": 6}
